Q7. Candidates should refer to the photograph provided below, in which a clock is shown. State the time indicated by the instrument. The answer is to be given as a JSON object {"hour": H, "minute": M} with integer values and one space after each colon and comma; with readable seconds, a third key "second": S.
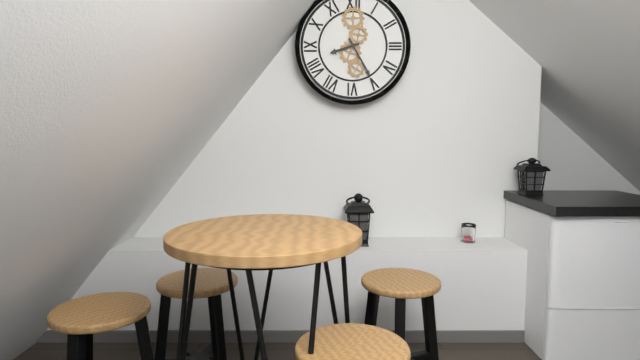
{"hour": 8, "minute": 25}
